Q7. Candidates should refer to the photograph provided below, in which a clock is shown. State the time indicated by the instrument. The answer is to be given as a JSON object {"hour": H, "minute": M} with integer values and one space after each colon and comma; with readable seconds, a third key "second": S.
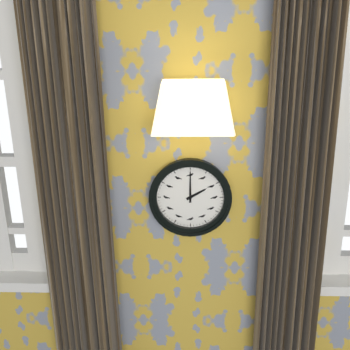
{"hour": 2, "minute": 0}
